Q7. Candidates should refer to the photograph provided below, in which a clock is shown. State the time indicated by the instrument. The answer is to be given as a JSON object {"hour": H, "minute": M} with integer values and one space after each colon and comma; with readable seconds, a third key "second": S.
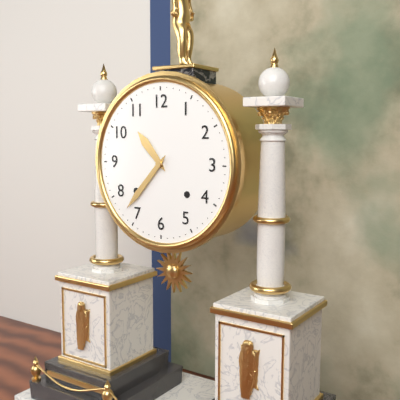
{"hour": 10, "minute": 37}
